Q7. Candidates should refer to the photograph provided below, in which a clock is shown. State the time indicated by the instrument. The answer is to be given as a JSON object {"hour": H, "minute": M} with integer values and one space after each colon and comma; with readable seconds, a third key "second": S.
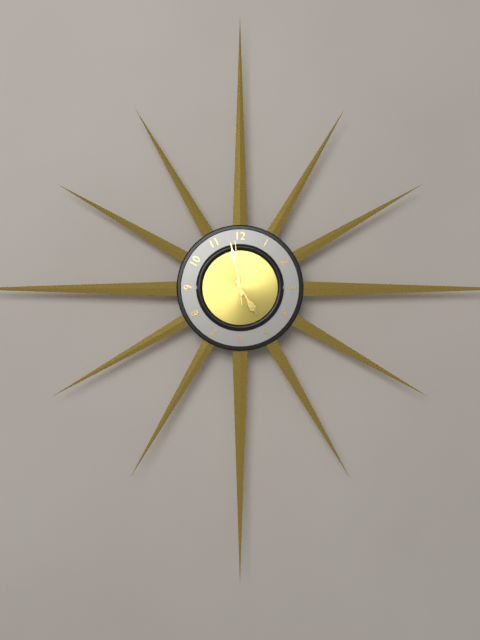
{"hour": 4, "minute": 58, "second": 59}
